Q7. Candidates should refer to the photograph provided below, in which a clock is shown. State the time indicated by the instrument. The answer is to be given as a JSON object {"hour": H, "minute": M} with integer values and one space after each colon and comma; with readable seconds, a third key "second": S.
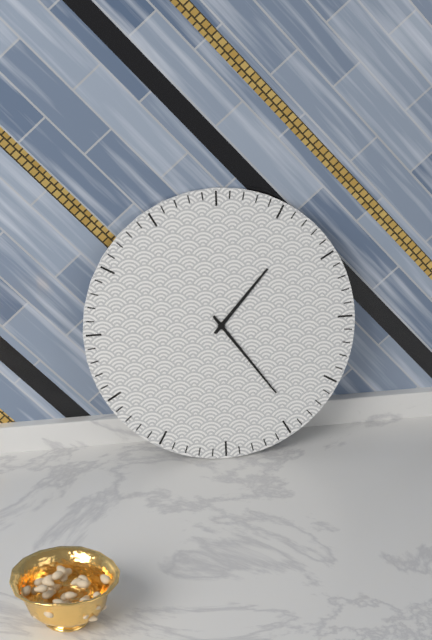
{"hour": 1, "minute": 24}
